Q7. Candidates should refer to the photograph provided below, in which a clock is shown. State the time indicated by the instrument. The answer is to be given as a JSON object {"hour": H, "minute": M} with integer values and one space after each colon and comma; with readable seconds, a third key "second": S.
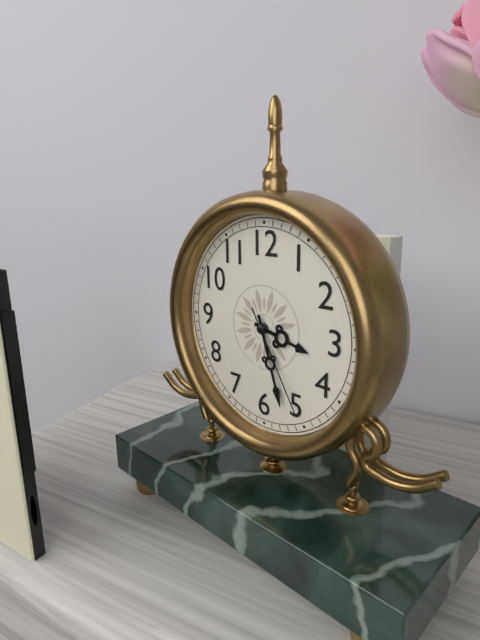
{"hour": 3, "minute": 27, "second": 25}
